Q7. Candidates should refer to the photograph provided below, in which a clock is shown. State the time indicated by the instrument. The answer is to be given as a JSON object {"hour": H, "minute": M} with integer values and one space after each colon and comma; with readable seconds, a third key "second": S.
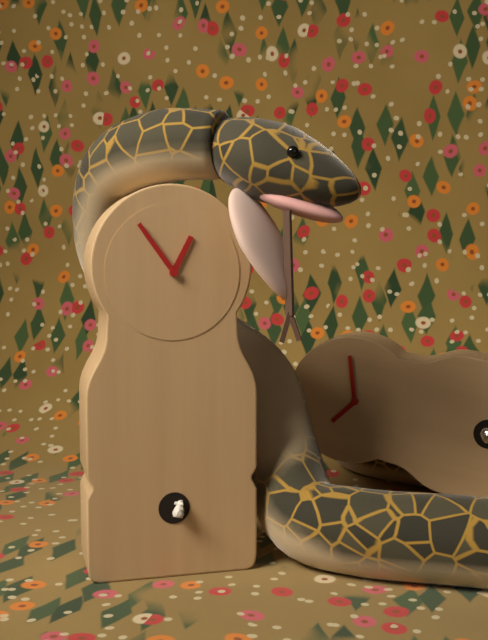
{"hour": 12, "minute": 54}
